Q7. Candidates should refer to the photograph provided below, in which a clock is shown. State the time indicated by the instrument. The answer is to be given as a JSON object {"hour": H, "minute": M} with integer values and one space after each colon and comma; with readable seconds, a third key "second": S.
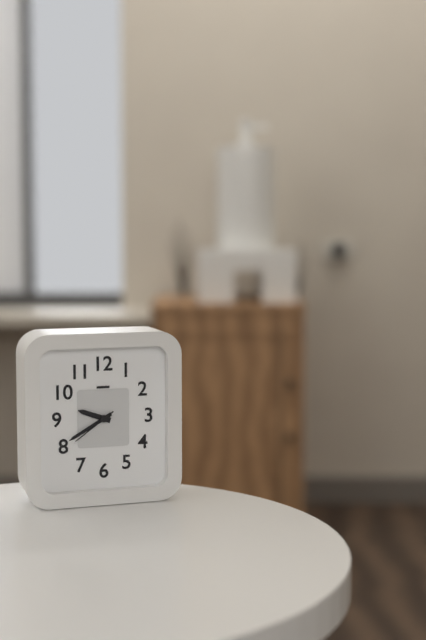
{"hour": 9, "minute": 40}
